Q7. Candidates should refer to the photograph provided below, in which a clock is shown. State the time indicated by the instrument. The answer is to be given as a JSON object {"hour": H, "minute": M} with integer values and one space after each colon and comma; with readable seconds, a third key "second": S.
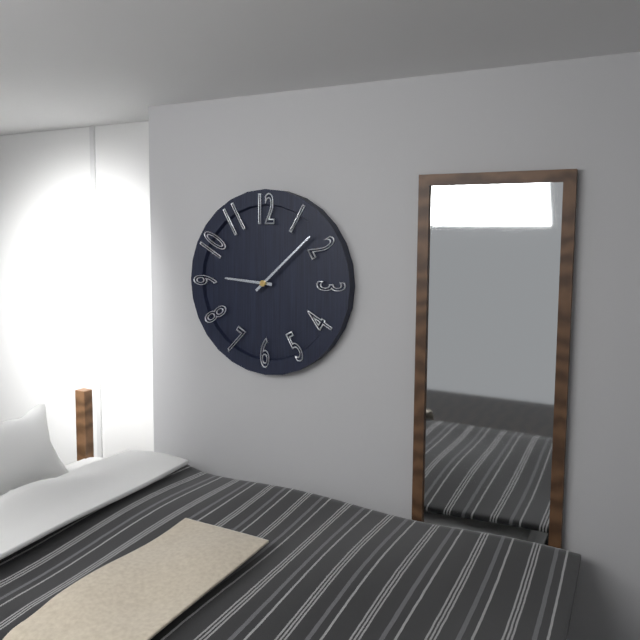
{"hour": 9, "minute": 8}
